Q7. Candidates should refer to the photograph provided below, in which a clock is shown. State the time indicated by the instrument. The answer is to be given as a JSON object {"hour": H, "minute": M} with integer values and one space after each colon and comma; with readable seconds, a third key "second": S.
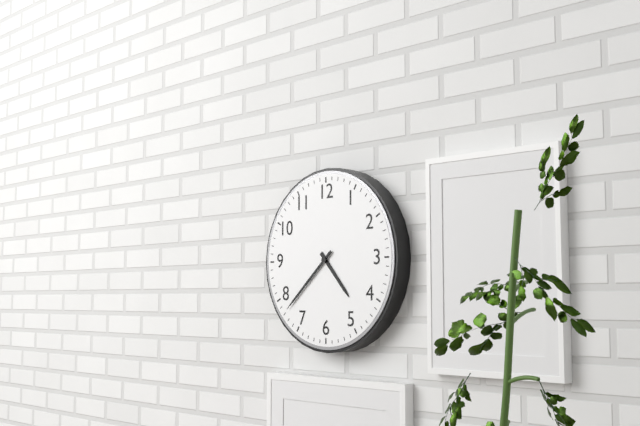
{"hour": 4, "minute": 38}
